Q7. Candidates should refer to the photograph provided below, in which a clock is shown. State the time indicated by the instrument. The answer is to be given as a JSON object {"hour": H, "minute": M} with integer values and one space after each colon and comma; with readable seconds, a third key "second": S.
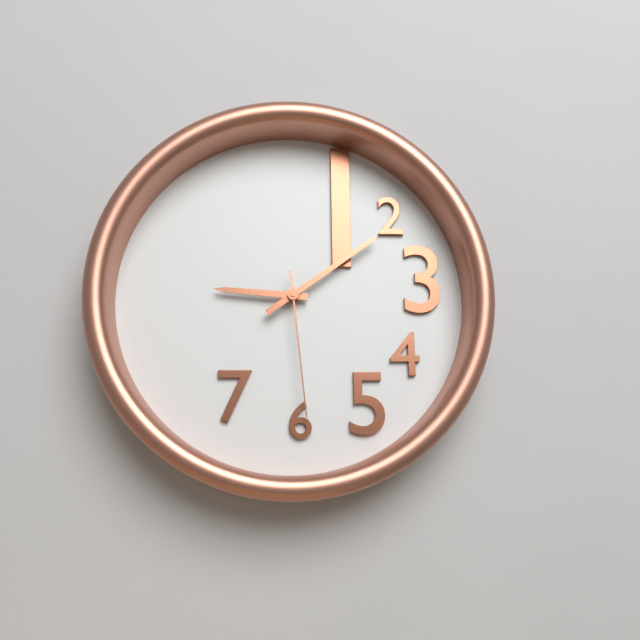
{"hour": 9, "minute": 9, "second": 29}
